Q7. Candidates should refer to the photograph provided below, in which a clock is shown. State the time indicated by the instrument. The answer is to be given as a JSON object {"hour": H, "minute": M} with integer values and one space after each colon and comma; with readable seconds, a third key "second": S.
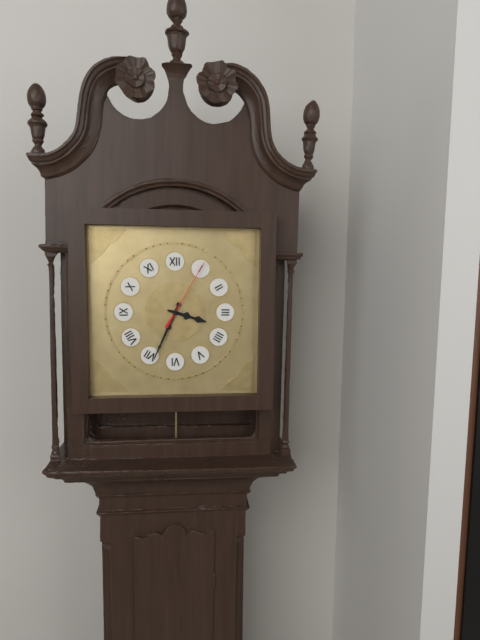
{"hour": 3, "minute": 34, "second": 5}
